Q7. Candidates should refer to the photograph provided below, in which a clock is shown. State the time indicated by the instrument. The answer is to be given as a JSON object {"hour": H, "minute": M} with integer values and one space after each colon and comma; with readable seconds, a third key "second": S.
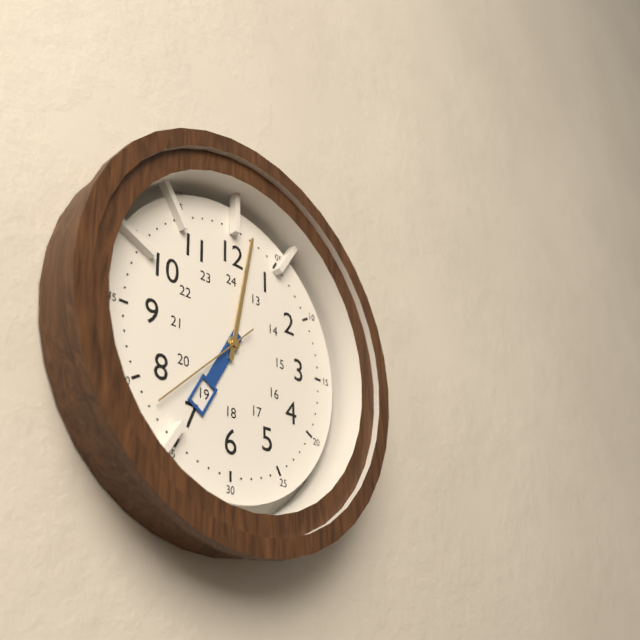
{"hour": 7, "minute": 2, "second": 38}
